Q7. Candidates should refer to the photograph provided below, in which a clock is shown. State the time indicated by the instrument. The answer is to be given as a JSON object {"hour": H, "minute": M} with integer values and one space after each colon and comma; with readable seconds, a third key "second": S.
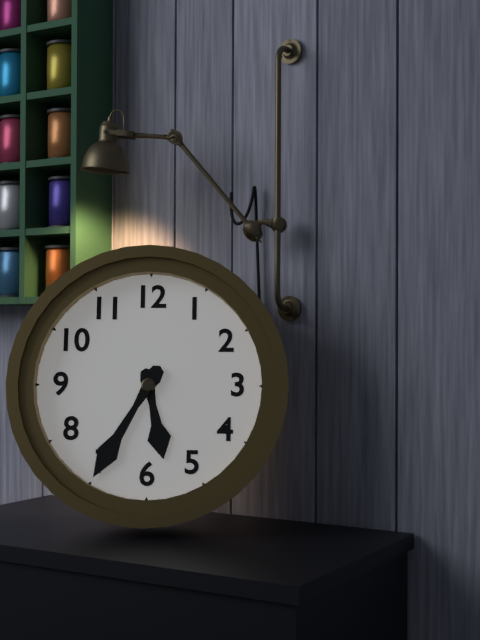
{"hour": 5, "minute": 35}
